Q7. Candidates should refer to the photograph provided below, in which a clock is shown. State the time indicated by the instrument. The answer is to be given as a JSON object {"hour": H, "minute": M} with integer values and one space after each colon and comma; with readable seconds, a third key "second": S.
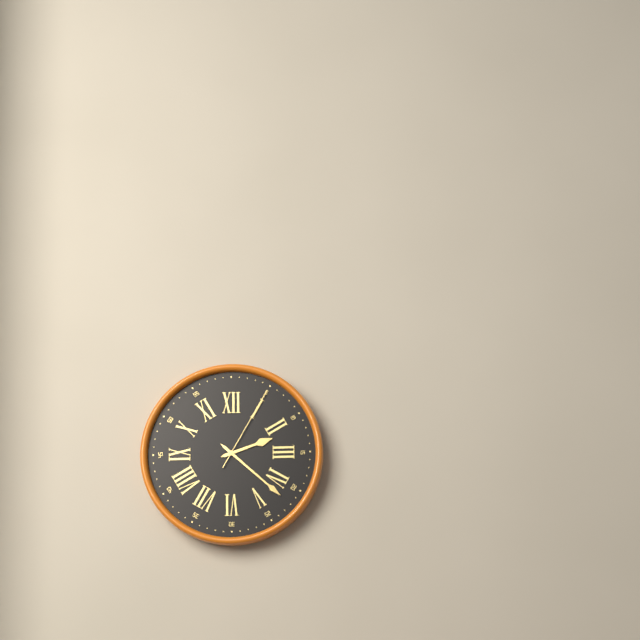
{"hour": 2, "minute": 22, "second": 5}
